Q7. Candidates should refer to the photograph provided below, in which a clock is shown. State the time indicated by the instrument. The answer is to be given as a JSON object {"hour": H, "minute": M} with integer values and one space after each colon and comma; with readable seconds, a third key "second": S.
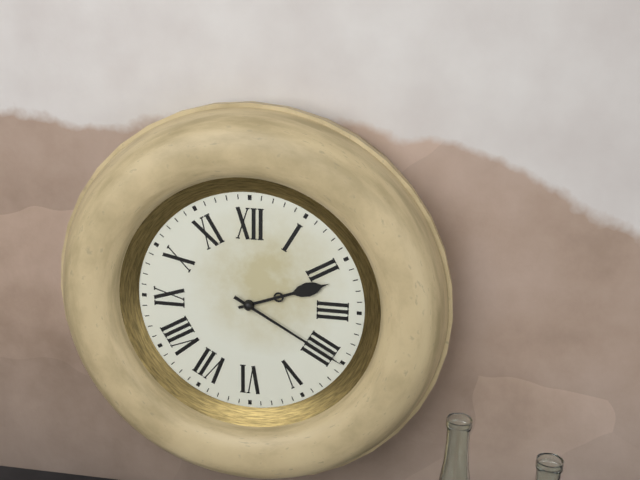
{"hour": 2, "minute": 20}
